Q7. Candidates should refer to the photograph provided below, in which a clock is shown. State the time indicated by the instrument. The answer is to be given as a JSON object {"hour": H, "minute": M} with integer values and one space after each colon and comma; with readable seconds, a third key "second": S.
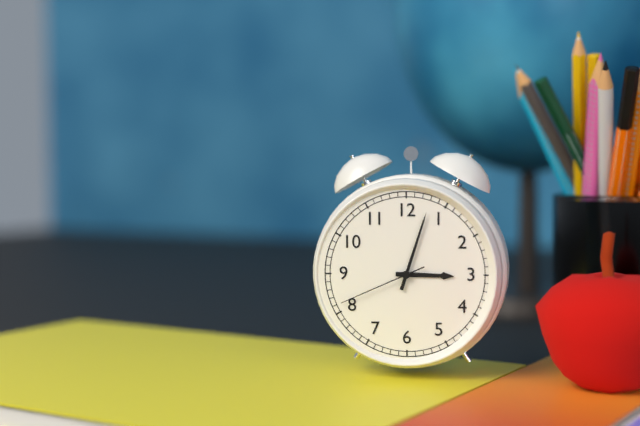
{"hour": 3, "minute": 3, "second": 41}
